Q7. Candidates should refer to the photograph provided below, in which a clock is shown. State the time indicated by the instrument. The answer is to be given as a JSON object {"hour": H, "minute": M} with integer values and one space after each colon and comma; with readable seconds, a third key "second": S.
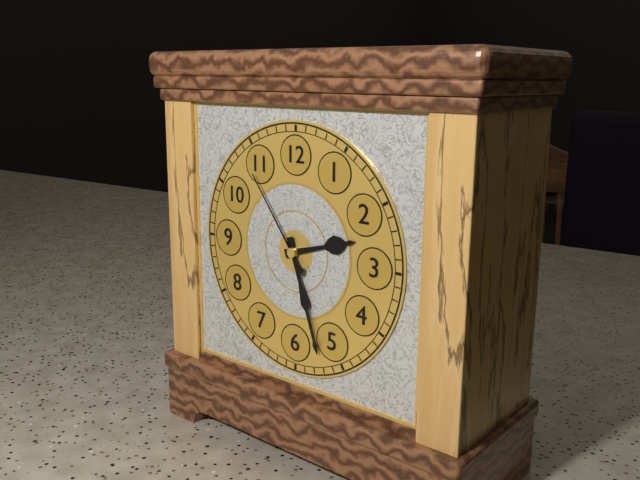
{"hour": 2, "minute": 27, "second": 54}
